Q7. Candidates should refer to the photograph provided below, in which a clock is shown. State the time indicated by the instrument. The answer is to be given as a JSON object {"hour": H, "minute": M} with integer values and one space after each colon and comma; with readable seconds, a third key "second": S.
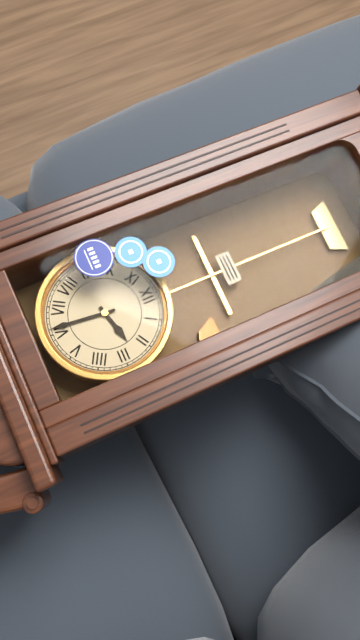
{"hour": 2, "minute": 31}
